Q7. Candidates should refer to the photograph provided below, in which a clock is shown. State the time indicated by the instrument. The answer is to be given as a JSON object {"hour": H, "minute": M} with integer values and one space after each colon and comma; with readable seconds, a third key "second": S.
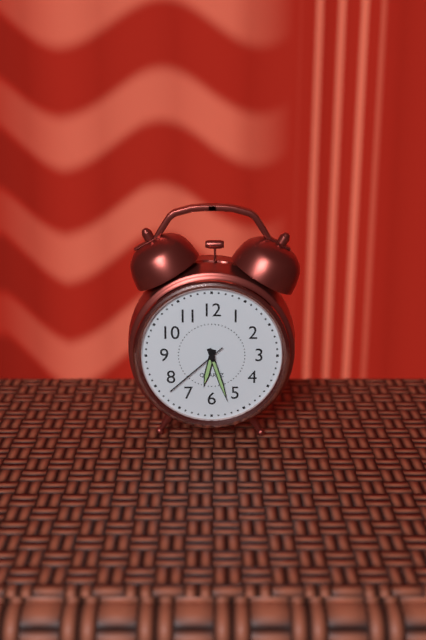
{"hour": 6, "minute": 27, "second": 38}
